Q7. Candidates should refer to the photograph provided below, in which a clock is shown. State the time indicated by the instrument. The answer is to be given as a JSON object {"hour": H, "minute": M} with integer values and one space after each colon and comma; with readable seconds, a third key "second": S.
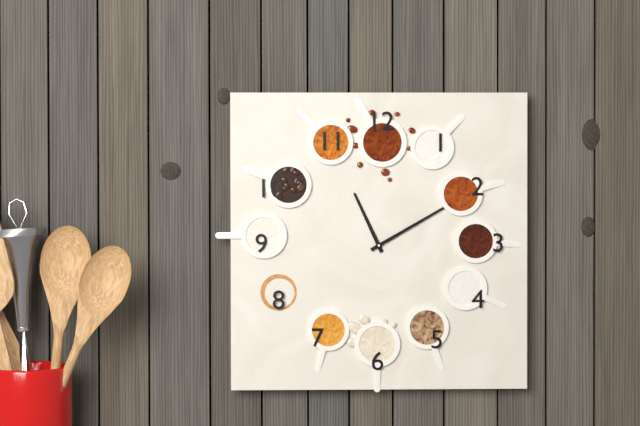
{"hour": 11, "minute": 10}
